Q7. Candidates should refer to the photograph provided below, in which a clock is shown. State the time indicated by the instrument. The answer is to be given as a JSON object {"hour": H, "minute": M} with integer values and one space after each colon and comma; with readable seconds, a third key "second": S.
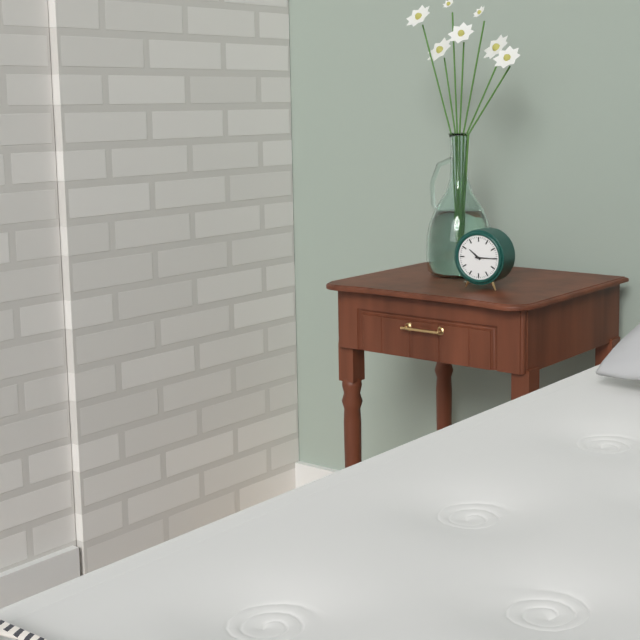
{"hour": 10, "minute": 15}
